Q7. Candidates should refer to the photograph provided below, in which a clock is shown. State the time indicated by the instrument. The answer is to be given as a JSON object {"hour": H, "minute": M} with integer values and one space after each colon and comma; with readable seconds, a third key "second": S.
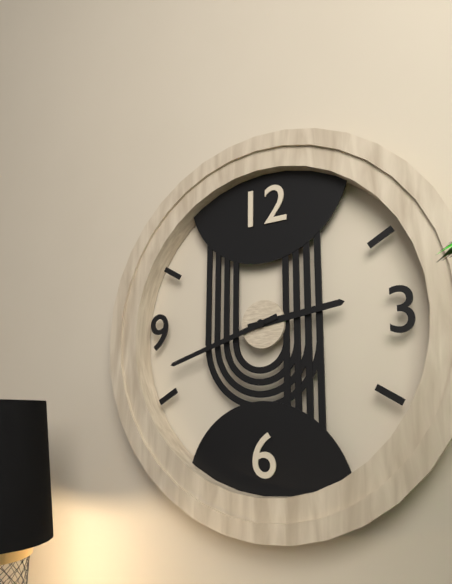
{"hour": 2, "minute": 42}
